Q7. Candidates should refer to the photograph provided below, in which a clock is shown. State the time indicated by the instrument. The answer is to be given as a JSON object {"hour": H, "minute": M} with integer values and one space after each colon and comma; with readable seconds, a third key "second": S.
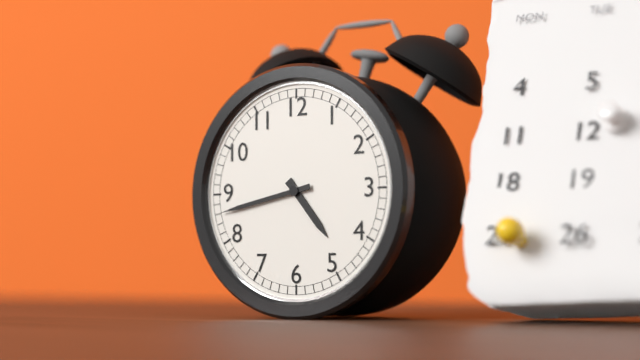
{"hour": 4, "minute": 43}
